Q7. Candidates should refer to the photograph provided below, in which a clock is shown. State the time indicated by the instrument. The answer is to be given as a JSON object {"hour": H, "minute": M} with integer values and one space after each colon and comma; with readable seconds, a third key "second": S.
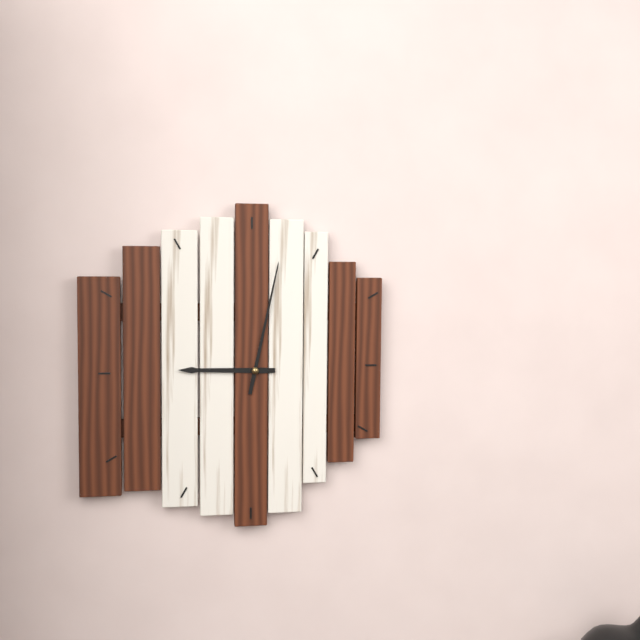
{"hour": 9, "minute": 2}
